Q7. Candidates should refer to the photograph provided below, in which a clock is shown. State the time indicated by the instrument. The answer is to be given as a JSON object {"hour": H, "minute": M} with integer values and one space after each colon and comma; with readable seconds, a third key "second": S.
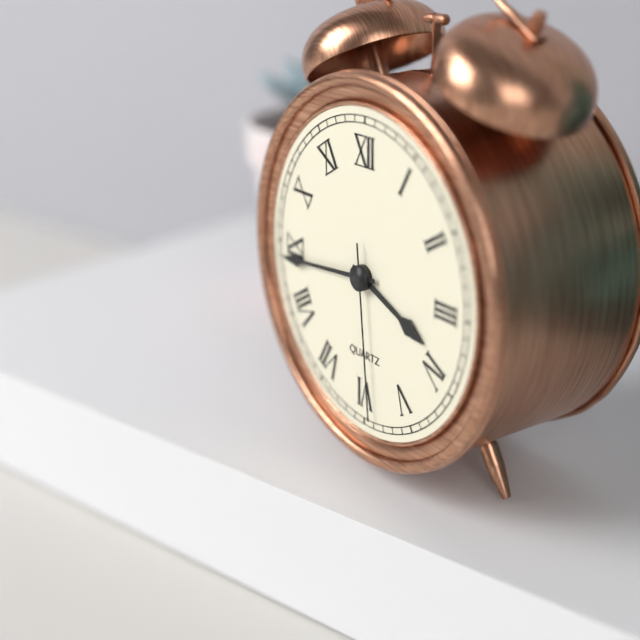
{"hour": 3, "minute": 44, "second": 29}
